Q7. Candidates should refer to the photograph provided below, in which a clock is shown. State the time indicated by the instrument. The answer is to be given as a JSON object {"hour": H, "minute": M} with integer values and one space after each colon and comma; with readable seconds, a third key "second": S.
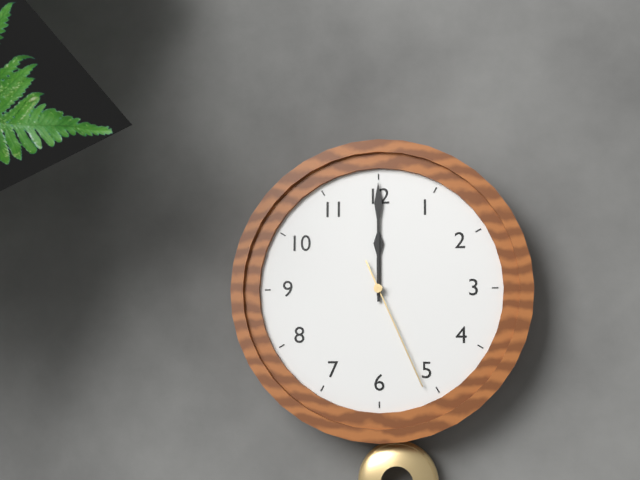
{"hour": 12, "minute": 0, "second": 26}
